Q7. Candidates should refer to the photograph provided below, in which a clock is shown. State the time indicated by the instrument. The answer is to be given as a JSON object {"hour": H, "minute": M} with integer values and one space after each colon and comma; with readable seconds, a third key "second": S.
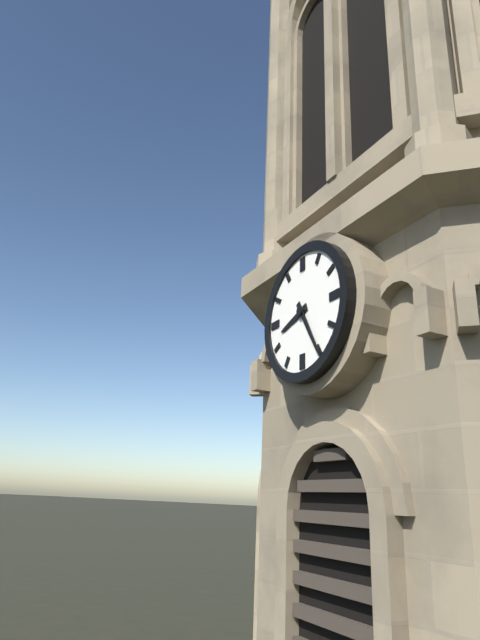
{"hour": 8, "minute": 25}
